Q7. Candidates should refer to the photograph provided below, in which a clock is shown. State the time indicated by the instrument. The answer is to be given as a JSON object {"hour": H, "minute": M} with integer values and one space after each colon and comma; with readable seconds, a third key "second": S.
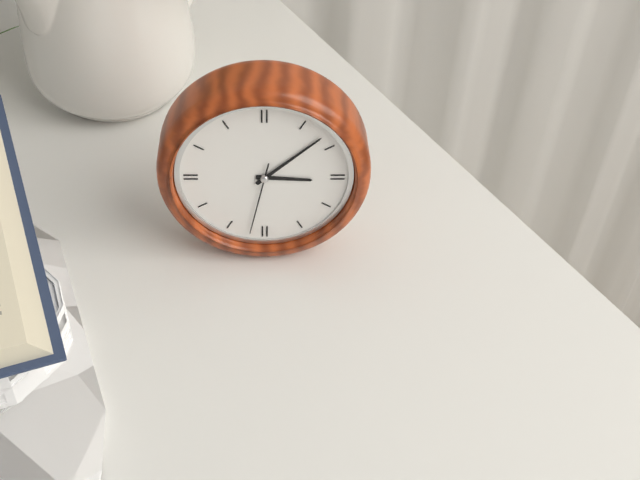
{"hour": 3, "minute": 8, "second": 32}
